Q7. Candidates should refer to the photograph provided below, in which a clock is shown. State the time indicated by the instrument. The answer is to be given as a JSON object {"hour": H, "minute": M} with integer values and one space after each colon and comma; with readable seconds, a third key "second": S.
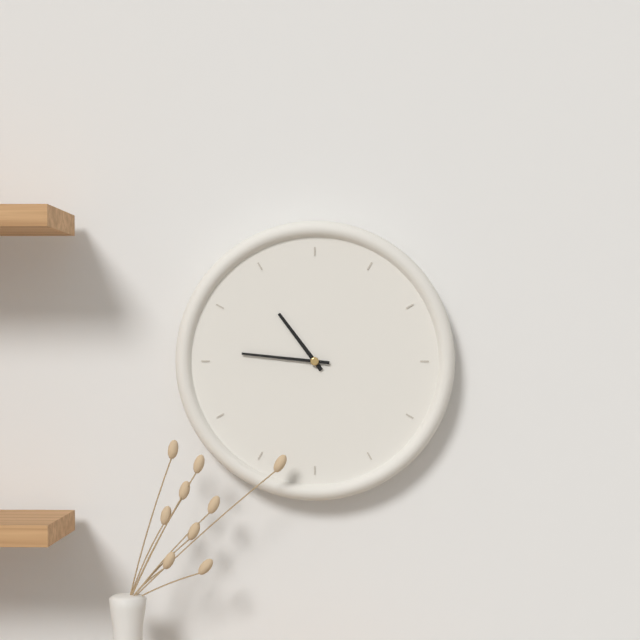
{"hour": 10, "minute": 46}
